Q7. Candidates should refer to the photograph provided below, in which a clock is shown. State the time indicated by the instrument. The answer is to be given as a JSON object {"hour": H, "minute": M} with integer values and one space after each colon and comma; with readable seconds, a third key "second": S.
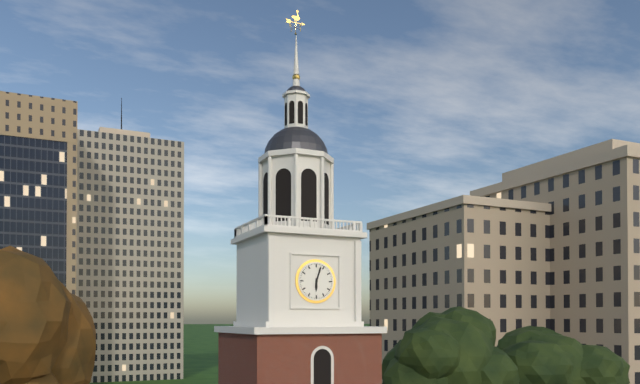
{"hour": 6, "minute": 3}
